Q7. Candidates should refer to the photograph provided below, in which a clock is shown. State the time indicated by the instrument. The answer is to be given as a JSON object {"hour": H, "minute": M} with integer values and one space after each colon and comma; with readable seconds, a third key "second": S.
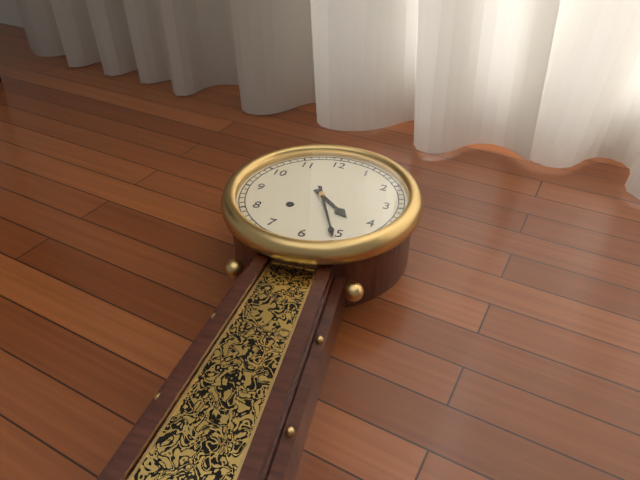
{"hour": 4, "minute": 26}
